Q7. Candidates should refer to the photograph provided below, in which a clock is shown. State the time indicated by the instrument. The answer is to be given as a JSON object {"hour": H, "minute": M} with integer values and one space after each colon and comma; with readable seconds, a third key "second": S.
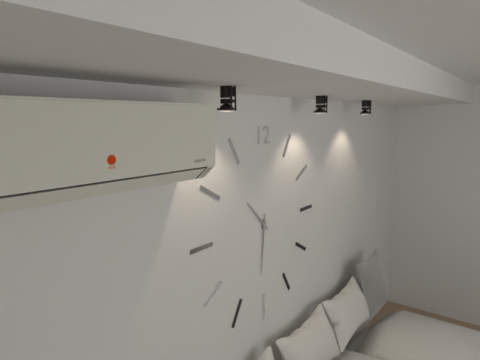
{"hour": 10, "minute": 31}
